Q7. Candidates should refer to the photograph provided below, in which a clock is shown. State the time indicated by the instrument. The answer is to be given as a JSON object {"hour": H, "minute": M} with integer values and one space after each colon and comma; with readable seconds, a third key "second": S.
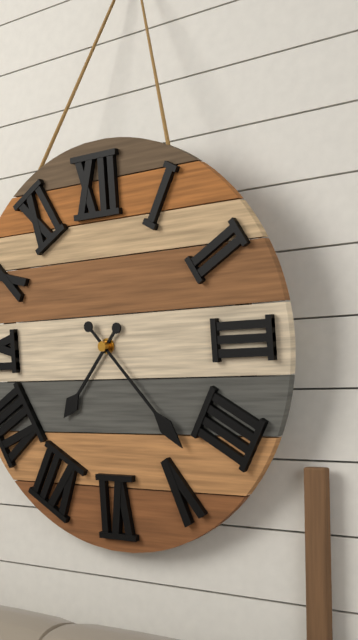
{"hour": 7, "minute": 23}
